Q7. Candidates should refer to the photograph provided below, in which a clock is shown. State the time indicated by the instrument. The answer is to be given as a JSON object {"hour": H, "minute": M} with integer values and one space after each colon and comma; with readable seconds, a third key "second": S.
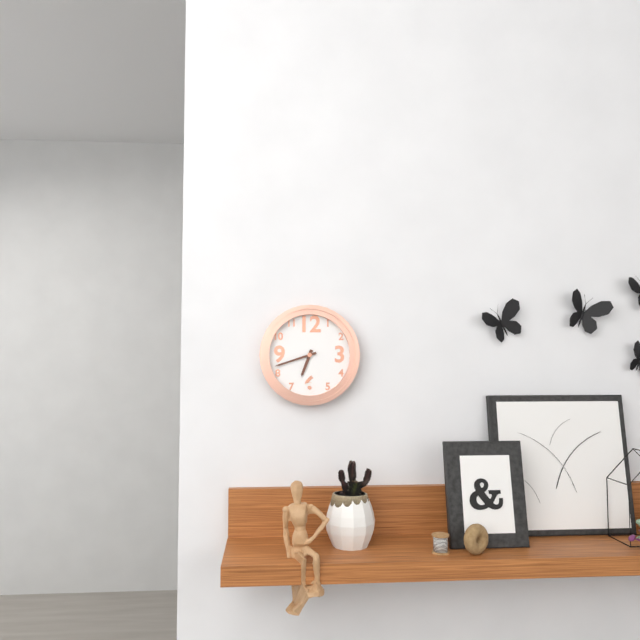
{"hour": 6, "minute": 42}
